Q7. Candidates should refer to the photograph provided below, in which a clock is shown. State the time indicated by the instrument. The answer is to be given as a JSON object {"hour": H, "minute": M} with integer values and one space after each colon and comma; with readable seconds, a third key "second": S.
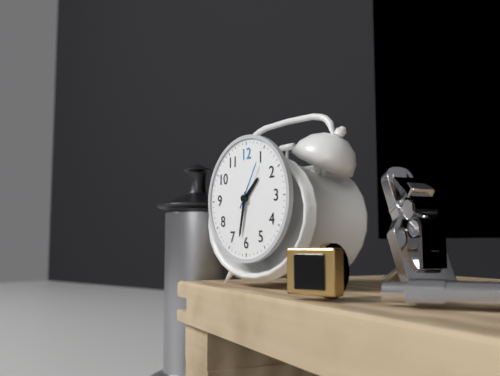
{"hour": 1, "minute": 32}
